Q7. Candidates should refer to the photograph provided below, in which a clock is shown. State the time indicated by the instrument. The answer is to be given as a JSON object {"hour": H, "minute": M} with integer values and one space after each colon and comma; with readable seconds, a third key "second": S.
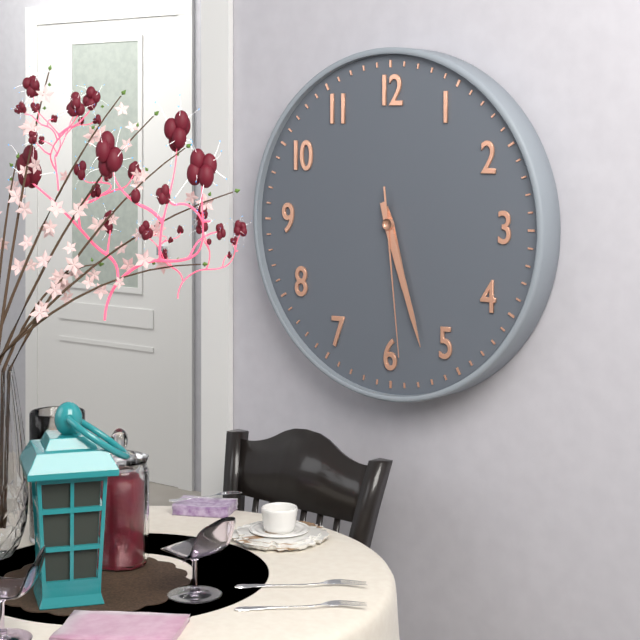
{"hour": 5, "minute": 27, "second": 29}
